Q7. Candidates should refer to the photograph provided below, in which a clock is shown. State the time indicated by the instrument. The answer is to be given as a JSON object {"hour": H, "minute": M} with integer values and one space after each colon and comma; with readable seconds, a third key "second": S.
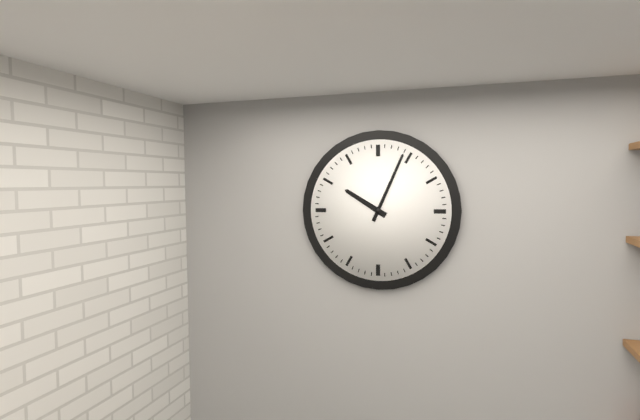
{"hour": 10, "minute": 4}
